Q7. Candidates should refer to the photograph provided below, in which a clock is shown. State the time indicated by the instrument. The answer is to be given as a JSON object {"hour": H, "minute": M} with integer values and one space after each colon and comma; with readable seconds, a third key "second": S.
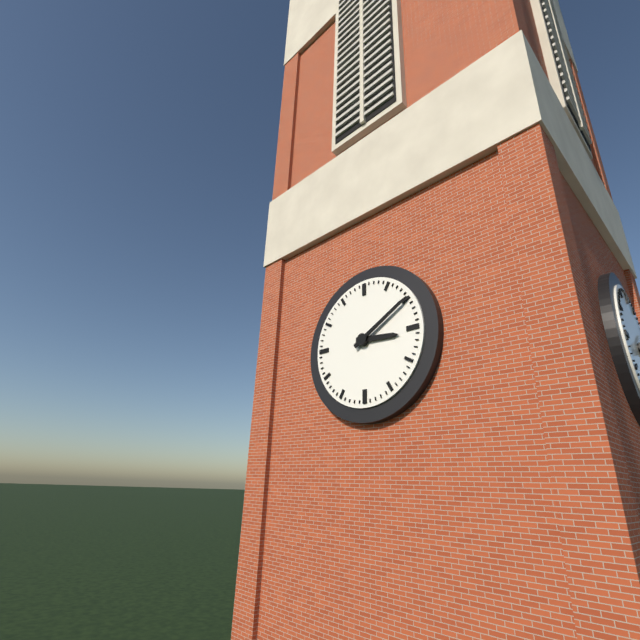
{"hour": 3, "minute": 10}
